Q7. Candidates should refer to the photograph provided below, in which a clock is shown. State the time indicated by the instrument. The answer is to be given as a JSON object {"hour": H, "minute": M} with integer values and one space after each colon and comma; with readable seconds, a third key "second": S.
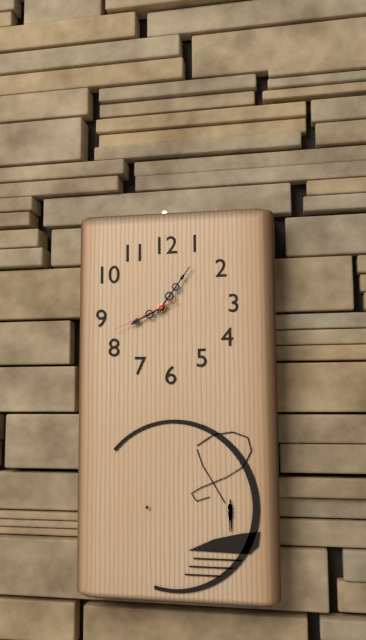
{"hour": 8, "minute": 6, "second": 41}
